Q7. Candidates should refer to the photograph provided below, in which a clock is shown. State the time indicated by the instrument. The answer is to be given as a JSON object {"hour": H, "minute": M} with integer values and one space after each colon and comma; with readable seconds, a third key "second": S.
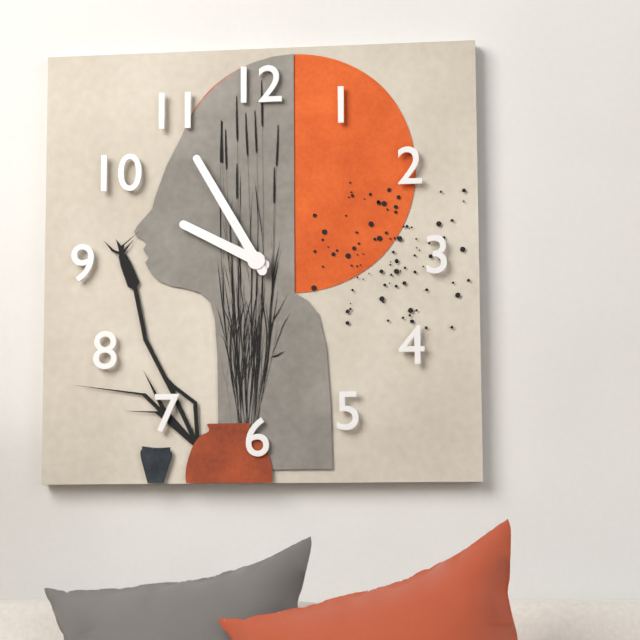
{"hour": 9, "minute": 55}
